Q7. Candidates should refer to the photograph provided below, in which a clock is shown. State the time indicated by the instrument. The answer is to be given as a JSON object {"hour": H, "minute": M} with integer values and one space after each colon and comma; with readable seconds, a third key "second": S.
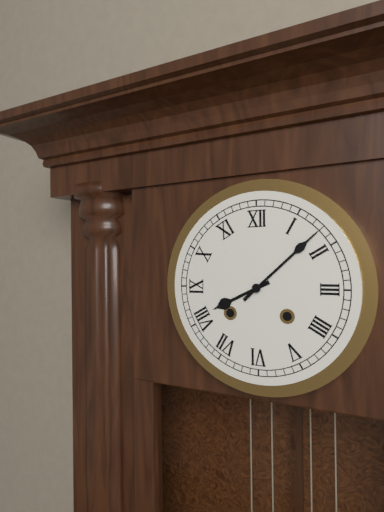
{"hour": 8, "minute": 8}
